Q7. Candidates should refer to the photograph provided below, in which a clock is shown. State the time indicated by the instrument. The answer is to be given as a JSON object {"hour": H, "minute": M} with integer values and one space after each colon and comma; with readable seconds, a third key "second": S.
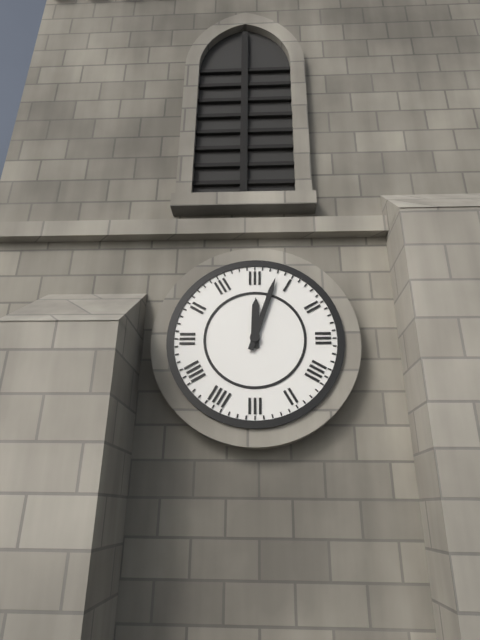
{"hour": 12, "minute": 3}
